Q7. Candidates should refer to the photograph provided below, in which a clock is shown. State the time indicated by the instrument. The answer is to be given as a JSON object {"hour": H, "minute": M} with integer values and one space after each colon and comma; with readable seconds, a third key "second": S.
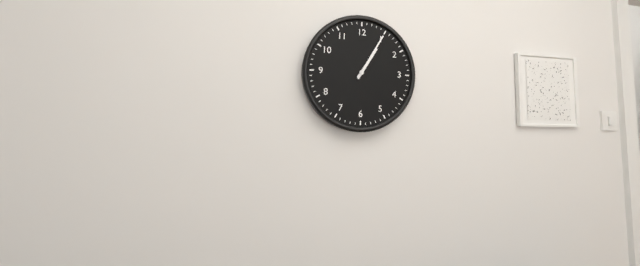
{"hour": 1, "minute": 5}
